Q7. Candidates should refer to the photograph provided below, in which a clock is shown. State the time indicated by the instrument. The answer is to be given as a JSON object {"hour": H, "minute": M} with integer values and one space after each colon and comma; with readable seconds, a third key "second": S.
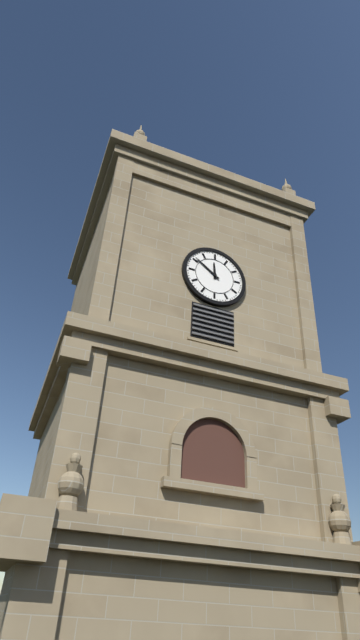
{"hour": 11, "minute": 51}
